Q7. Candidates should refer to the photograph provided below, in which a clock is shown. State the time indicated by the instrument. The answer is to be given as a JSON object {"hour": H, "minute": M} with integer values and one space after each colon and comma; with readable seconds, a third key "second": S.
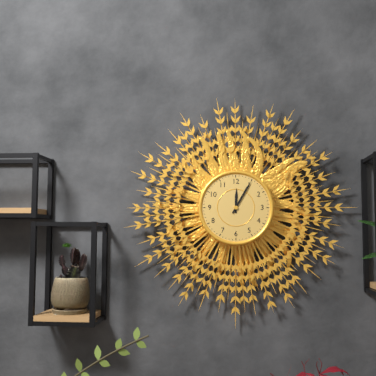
{"hour": 12, "minute": 5}
